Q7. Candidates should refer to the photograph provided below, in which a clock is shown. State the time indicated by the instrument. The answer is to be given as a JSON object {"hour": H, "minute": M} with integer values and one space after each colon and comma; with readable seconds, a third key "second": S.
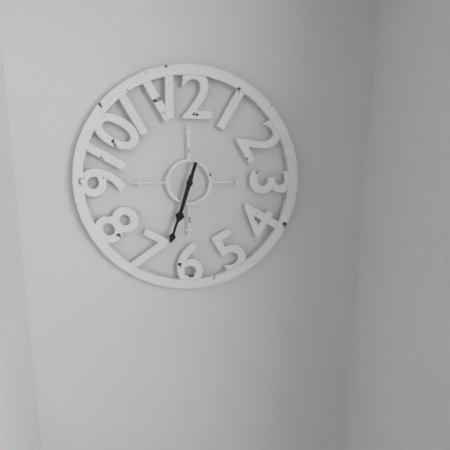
{"hour": 6, "minute": 33}
